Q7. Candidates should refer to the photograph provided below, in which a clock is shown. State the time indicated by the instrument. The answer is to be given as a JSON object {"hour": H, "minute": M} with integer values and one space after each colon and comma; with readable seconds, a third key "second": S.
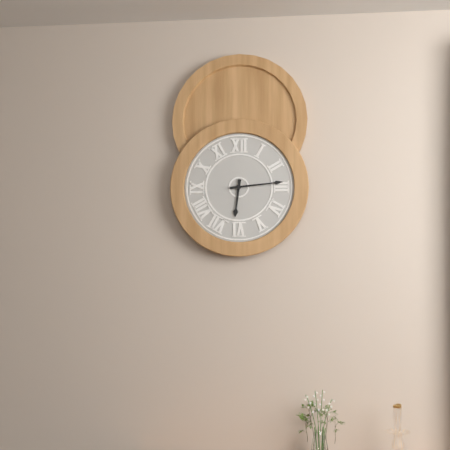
{"hour": 6, "minute": 14}
